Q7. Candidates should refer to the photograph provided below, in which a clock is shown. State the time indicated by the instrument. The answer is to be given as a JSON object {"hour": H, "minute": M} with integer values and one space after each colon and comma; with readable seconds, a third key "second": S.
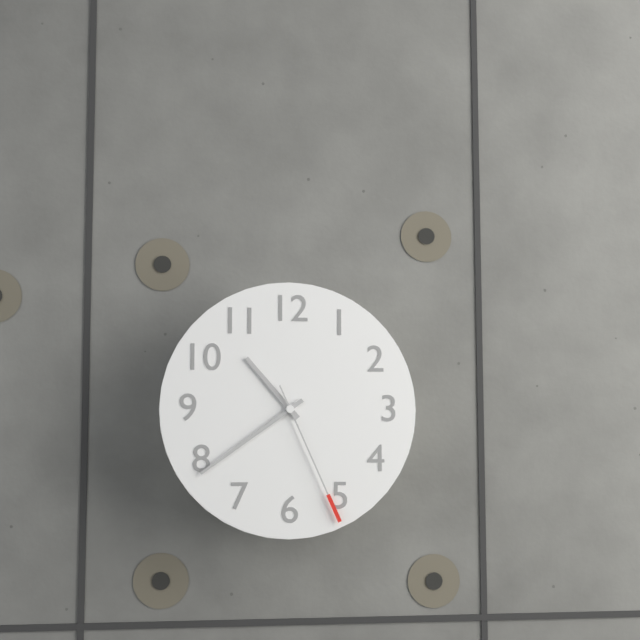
{"hour": 10, "minute": 39, "second": 26}
